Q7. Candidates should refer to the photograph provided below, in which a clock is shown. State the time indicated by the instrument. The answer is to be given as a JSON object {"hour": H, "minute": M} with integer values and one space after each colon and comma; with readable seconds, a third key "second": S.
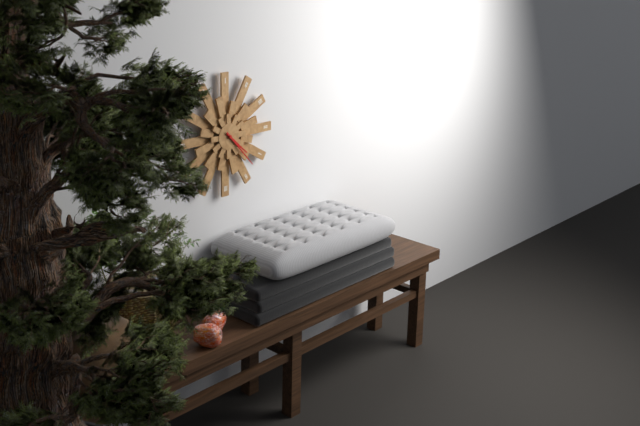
{"hour": 4, "minute": 23}
